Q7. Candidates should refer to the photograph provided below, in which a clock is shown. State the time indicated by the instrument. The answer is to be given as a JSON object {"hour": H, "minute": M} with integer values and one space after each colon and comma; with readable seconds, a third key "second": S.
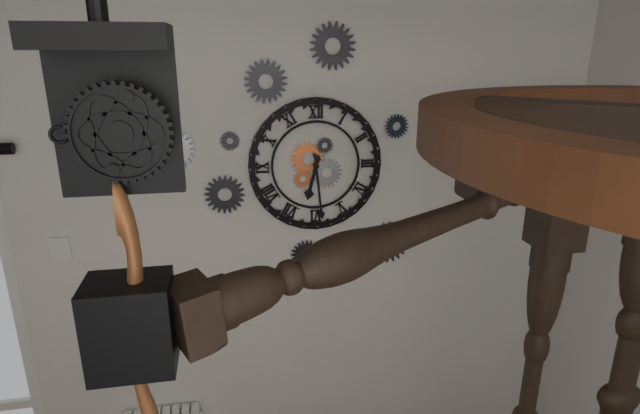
{"hour": 6, "minute": 29}
